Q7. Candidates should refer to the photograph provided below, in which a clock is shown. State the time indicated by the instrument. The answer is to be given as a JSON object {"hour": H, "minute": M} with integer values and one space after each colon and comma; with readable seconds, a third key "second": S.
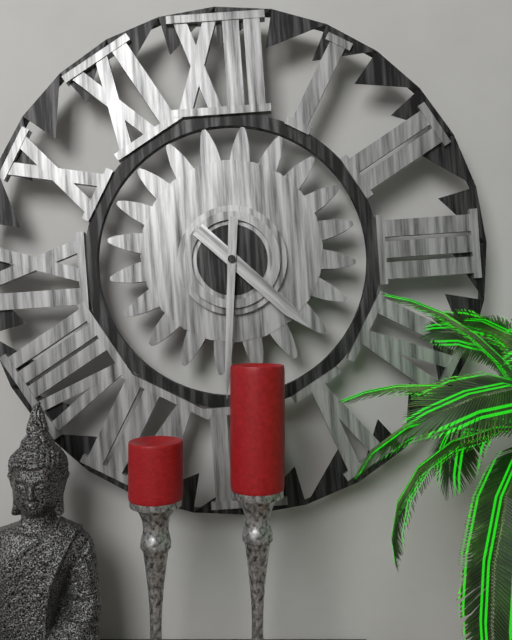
{"hour": 4, "minute": 31}
